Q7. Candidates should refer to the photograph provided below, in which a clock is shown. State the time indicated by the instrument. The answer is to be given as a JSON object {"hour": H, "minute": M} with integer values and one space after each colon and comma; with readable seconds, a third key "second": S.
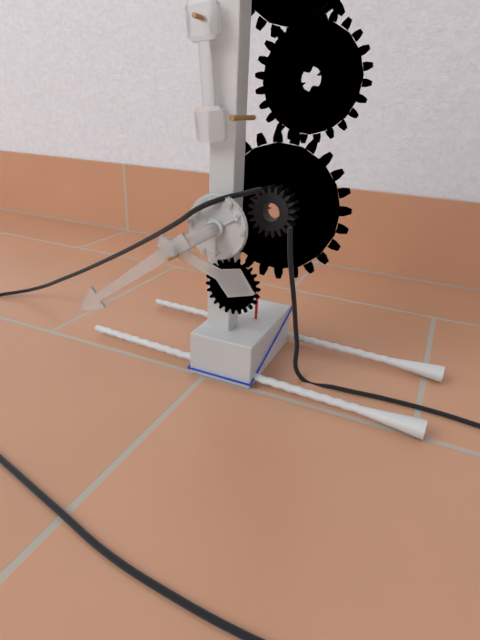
{"hour": 3, "minute": 39}
